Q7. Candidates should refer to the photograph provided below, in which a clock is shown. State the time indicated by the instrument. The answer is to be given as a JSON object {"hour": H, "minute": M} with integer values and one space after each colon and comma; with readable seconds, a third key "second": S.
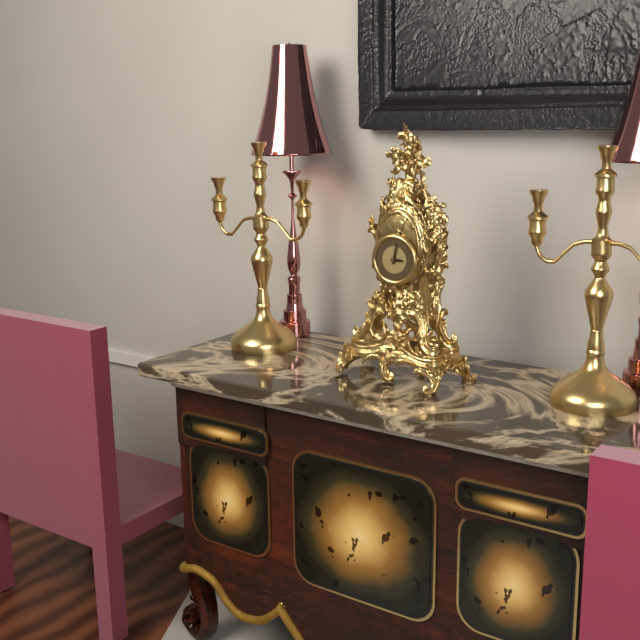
{"hour": 3, "minute": 2}
